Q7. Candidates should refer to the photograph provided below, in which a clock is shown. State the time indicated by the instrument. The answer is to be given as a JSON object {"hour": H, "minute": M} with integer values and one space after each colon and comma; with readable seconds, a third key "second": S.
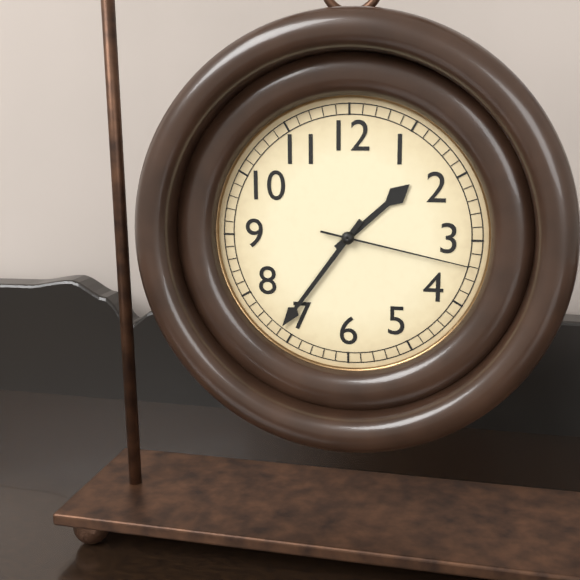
{"hour": 1, "minute": 36, "second": 17}
